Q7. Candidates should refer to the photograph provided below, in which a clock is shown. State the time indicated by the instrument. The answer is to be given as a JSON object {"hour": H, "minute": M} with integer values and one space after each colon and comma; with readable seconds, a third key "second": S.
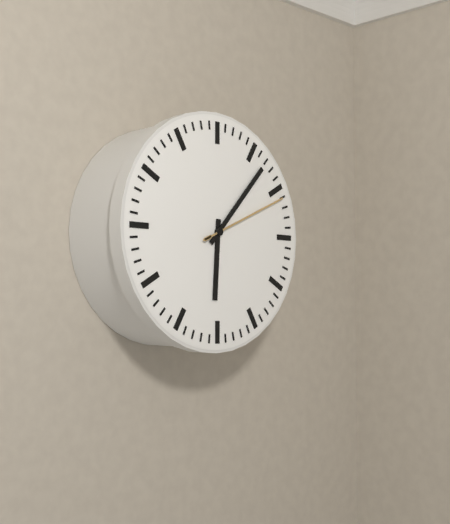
{"hour": 6, "minute": 7, "second": 11}
